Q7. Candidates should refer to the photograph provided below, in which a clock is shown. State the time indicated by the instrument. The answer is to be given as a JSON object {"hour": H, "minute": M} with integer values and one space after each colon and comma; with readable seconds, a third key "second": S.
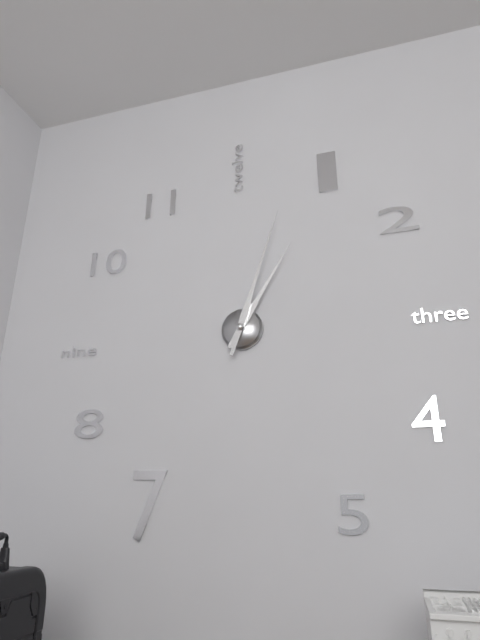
{"hour": 1, "minute": 3}
